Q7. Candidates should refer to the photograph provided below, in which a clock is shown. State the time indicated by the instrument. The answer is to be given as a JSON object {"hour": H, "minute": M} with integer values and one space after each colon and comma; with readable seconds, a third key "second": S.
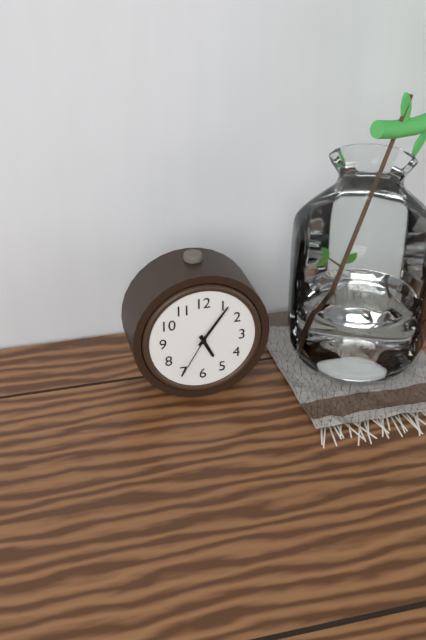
{"hour": 5, "minute": 6, "second": 35}
